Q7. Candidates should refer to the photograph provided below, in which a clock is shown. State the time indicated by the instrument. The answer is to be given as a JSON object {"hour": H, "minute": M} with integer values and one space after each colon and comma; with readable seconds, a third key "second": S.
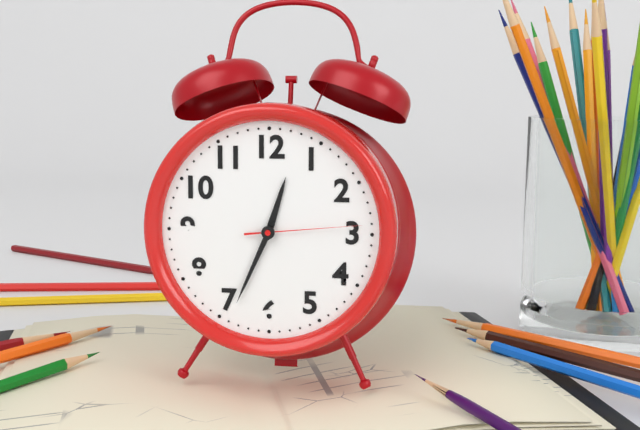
{"hour": 12, "minute": 34, "second": 14}
